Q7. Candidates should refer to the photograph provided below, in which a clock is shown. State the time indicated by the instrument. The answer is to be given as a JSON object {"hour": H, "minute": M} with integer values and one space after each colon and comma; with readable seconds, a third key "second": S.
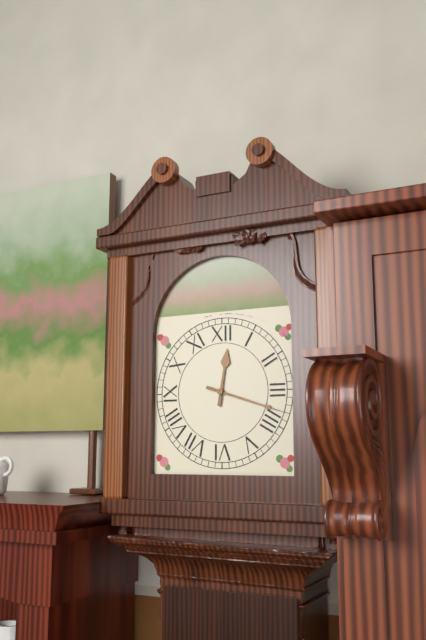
{"hour": 12, "minute": 18}
